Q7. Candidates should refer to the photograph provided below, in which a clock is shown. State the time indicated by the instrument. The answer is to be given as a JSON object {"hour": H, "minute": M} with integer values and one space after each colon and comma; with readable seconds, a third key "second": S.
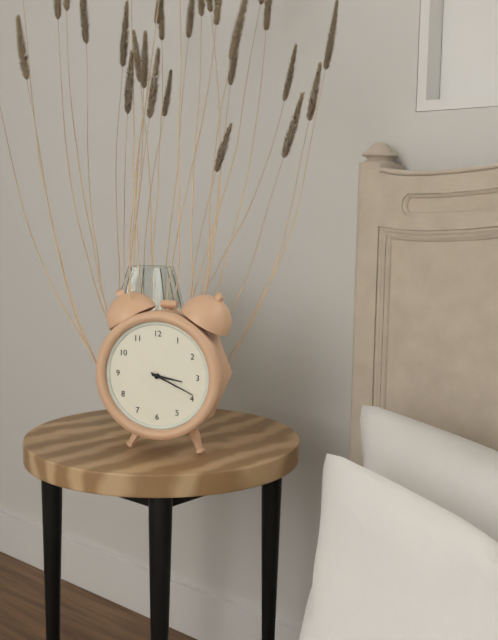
{"hour": 3, "minute": 19}
